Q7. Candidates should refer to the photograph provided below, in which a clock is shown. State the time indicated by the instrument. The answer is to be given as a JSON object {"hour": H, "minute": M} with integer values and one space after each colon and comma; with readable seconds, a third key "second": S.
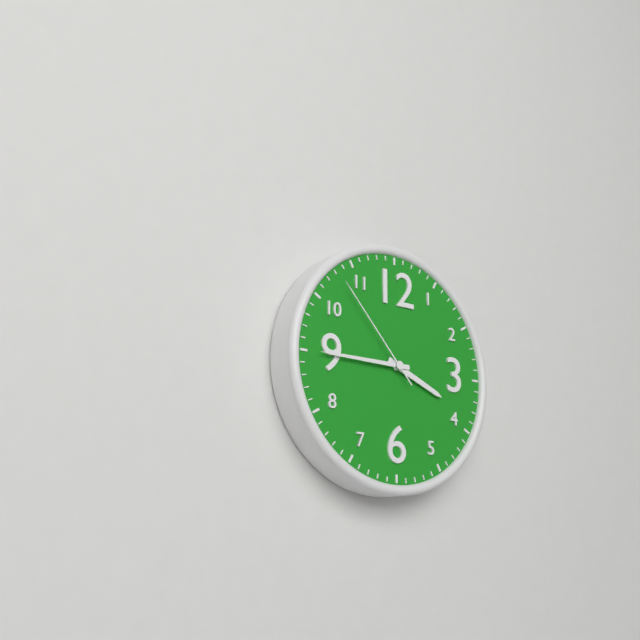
{"hour": 3, "minute": 45, "second": 53}
